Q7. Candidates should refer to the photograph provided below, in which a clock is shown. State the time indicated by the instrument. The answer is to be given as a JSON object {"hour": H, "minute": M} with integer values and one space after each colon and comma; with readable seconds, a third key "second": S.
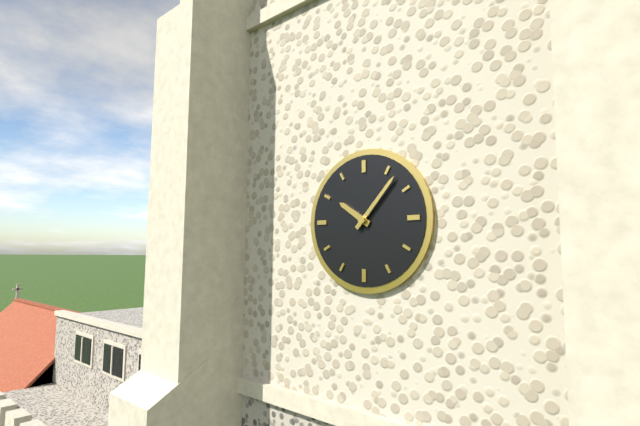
{"hour": 10, "minute": 7}
